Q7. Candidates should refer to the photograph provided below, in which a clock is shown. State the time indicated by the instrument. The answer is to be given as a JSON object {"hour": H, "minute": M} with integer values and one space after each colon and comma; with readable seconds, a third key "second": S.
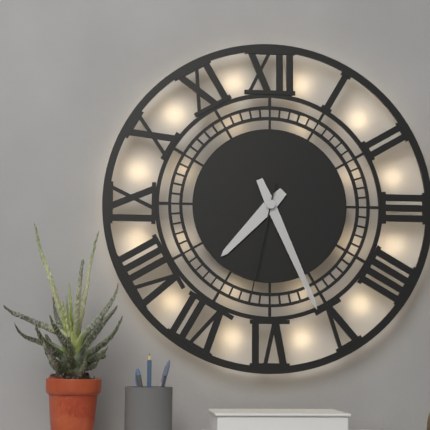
{"hour": 7, "minute": 26, "second": 32}
